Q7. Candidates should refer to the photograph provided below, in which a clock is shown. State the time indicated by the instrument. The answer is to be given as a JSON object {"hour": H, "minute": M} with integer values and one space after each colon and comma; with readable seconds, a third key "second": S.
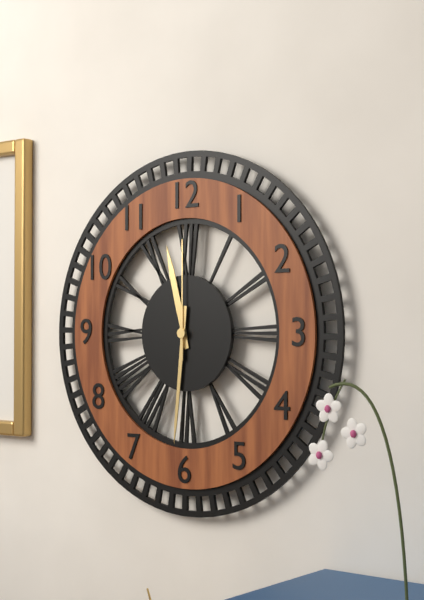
{"hour": 11, "minute": 31, "second": 0}
